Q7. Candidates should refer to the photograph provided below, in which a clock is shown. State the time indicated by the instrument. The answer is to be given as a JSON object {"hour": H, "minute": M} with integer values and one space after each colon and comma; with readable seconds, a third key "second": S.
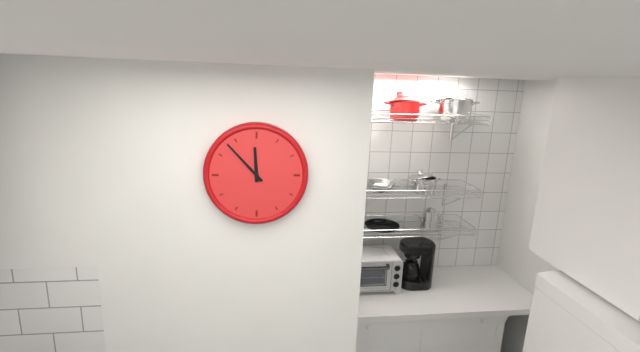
{"hour": 11, "minute": 53}
